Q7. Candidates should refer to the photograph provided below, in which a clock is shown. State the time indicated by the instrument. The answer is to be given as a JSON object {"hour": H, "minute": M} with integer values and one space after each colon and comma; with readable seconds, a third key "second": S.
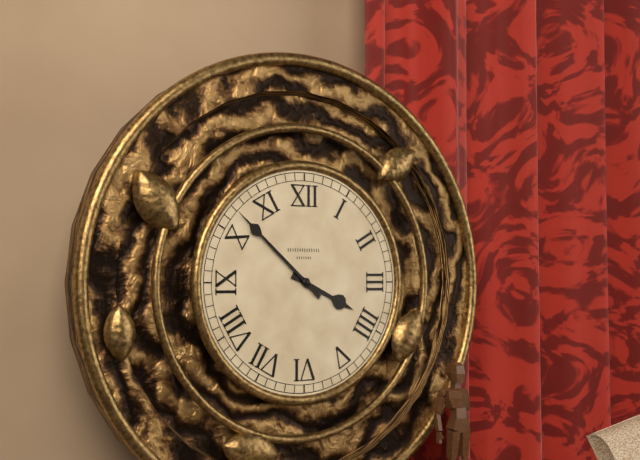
{"hour": 3, "minute": 52}
